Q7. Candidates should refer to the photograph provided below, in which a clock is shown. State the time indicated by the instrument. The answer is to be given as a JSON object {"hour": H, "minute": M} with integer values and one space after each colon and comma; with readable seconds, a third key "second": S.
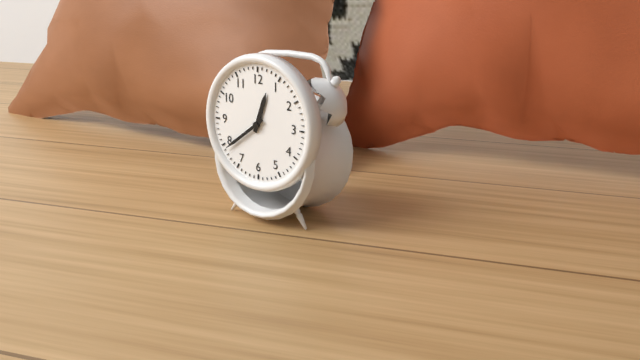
{"hour": 12, "minute": 39}
